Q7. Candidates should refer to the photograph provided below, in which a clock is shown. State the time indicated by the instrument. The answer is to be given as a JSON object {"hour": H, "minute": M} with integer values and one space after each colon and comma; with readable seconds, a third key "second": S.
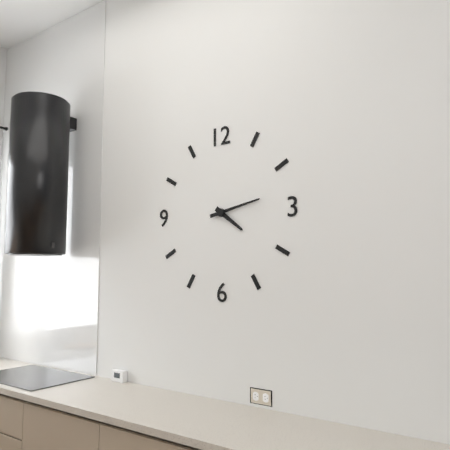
{"hour": 4, "minute": 13}
